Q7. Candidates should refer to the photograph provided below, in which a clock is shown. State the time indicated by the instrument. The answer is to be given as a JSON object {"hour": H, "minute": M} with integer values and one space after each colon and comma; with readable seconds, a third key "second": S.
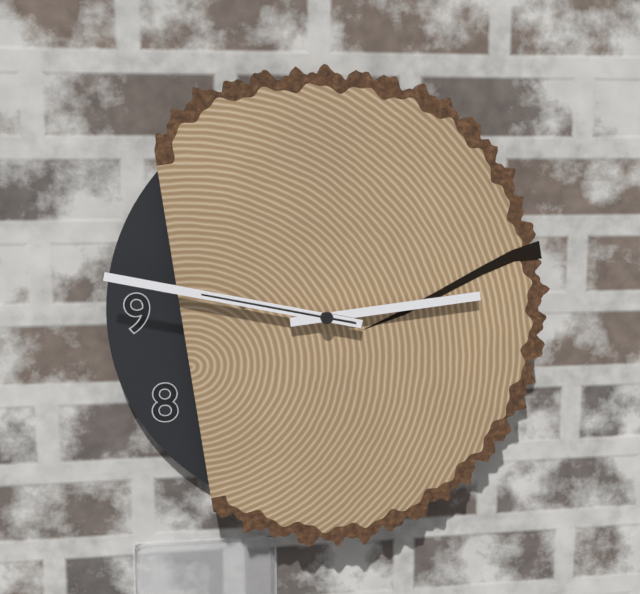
{"hour": 2, "minute": 47, "second": 47}
